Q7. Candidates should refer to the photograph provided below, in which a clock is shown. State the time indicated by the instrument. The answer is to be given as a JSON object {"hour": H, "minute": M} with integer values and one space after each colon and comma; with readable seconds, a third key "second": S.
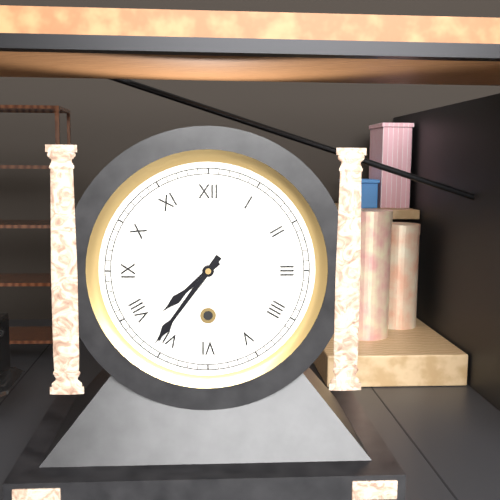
{"hour": 7, "minute": 36}
